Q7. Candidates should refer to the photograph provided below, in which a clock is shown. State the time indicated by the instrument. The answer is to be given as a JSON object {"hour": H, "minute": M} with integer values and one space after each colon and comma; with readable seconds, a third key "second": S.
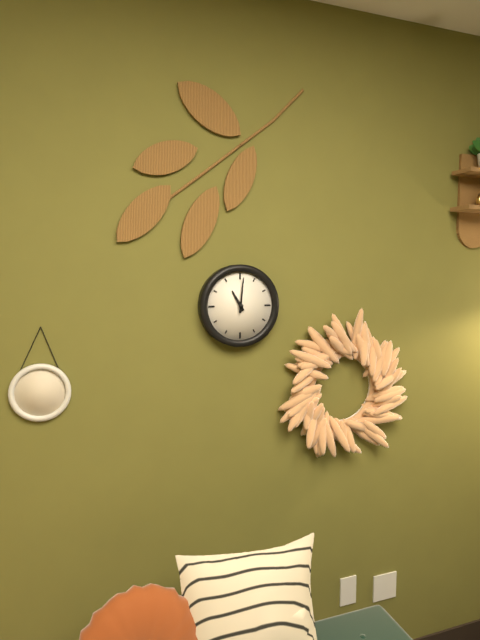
{"hour": 11, "minute": 1}
